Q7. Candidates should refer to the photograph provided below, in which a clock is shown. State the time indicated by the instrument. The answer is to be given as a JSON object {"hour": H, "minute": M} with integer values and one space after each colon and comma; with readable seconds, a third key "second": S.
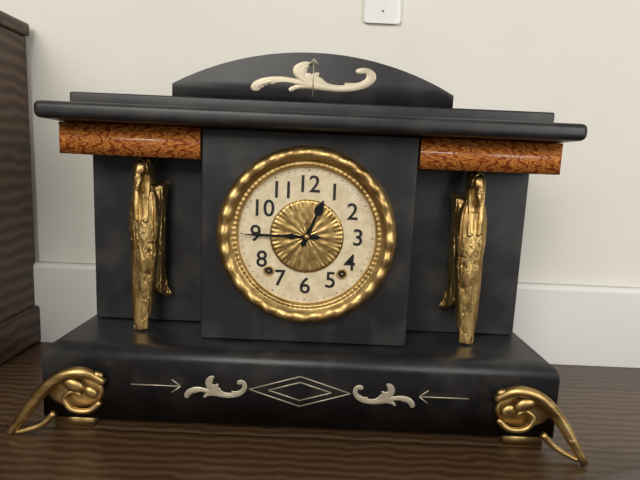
{"hour": 12, "minute": 45}
